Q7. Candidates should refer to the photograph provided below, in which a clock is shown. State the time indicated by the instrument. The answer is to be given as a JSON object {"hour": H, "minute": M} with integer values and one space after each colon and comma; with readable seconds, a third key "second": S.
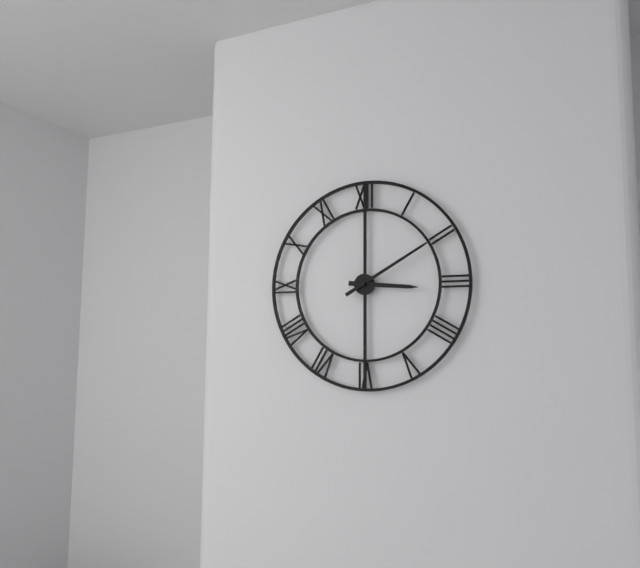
{"hour": 3, "minute": 10}
